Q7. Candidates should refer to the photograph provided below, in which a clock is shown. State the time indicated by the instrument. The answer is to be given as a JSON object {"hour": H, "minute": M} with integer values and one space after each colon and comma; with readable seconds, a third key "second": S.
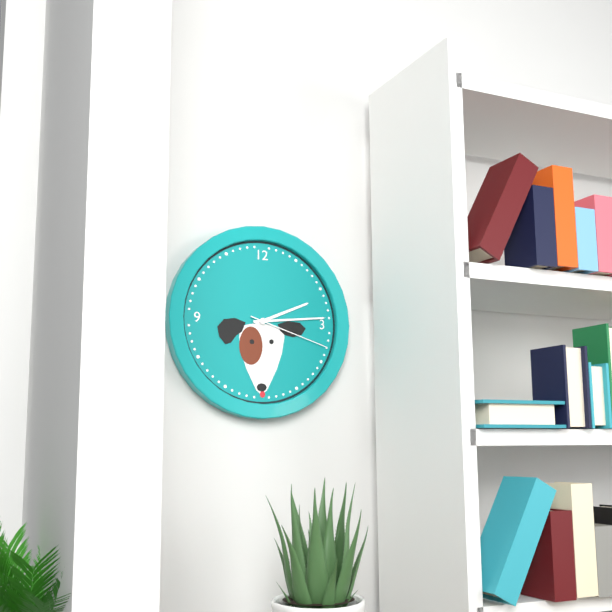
{"hour": 2, "minute": 14, "second": 18}
